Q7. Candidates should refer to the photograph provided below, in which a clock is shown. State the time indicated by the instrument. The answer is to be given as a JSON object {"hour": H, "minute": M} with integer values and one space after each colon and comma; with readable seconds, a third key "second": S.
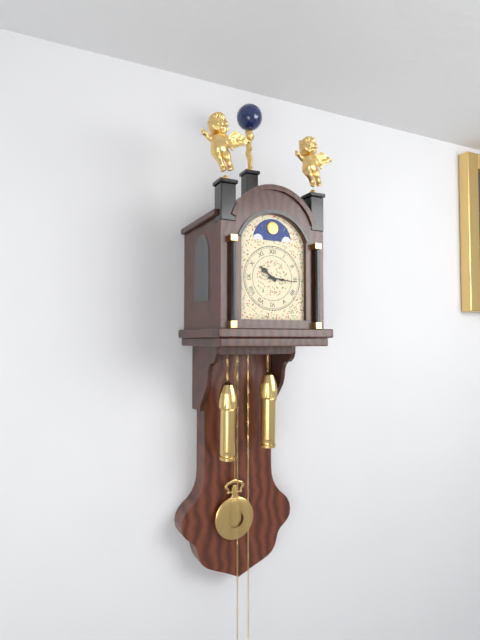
{"hour": 10, "minute": 16}
